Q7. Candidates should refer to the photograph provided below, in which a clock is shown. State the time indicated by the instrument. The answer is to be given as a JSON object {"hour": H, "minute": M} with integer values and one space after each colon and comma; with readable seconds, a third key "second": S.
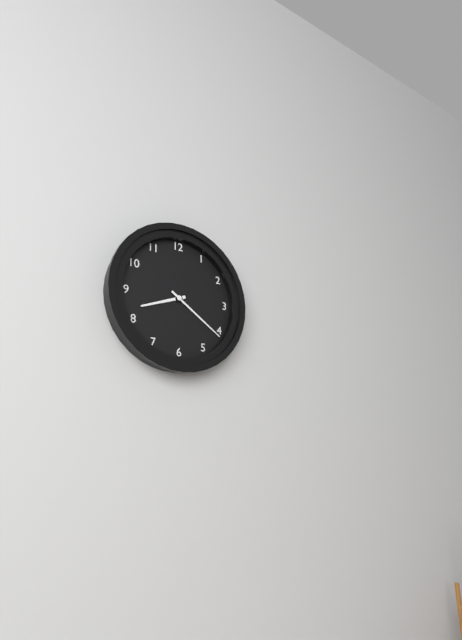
{"hour": 8, "minute": 21}
